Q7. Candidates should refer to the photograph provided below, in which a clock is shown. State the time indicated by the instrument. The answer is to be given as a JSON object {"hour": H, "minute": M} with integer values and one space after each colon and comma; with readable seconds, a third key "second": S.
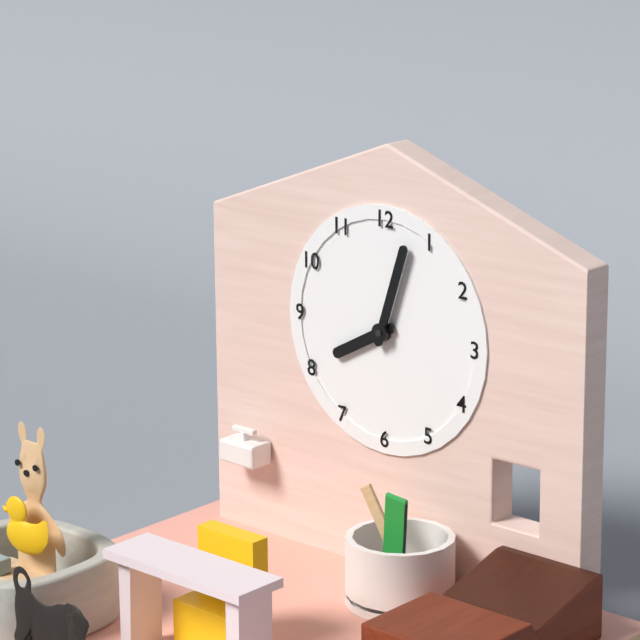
{"hour": 8, "minute": 3}
